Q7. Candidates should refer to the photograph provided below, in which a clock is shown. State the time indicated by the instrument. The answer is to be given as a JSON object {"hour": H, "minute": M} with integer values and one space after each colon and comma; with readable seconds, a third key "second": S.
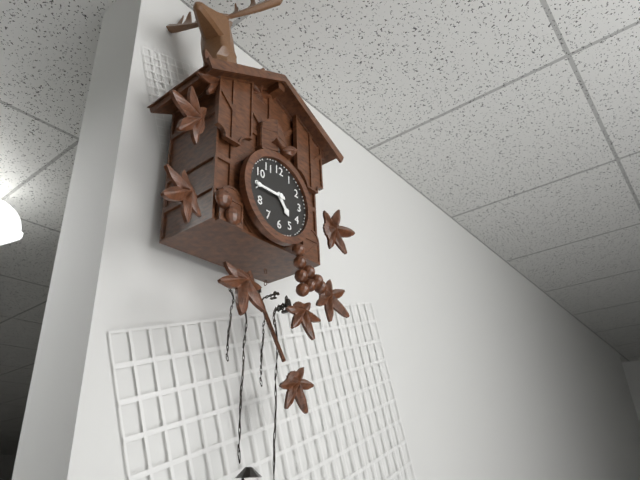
{"hour": 4, "minute": 45}
